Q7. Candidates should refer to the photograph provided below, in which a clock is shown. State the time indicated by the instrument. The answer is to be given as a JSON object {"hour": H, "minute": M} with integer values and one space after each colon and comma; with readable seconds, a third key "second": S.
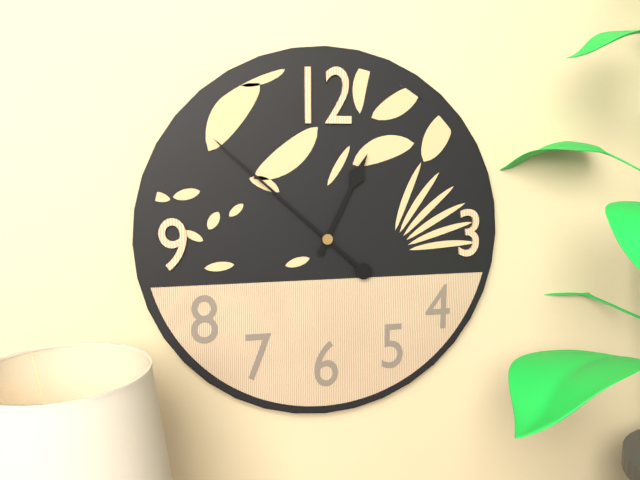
{"hour": 12, "minute": 52}
